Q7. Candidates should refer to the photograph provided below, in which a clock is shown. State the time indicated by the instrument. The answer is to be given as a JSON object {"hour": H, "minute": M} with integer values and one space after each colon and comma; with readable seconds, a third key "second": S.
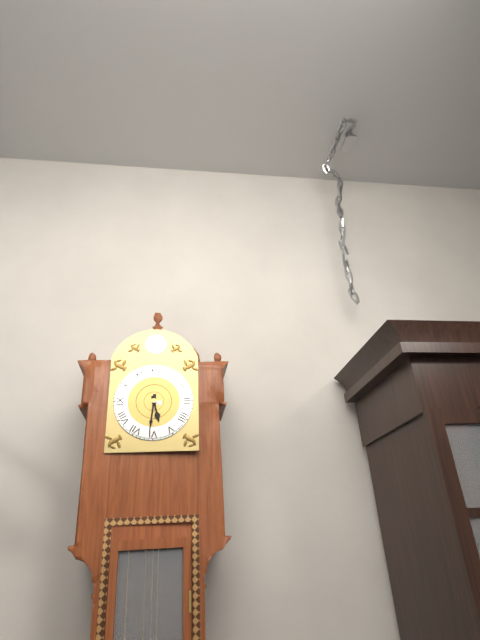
{"hour": 5, "minute": 31}
